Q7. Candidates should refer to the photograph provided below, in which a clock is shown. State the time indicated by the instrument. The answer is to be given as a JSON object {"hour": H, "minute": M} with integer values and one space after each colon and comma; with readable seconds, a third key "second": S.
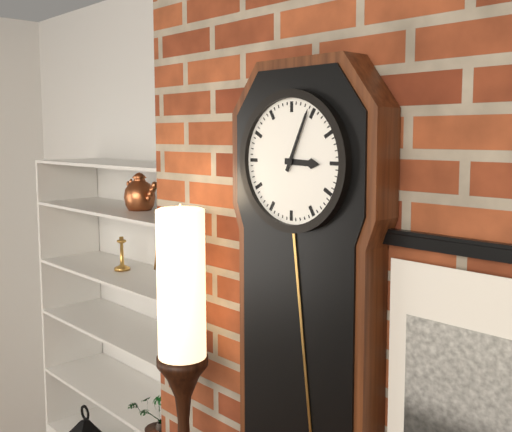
{"hour": 3, "minute": 4}
